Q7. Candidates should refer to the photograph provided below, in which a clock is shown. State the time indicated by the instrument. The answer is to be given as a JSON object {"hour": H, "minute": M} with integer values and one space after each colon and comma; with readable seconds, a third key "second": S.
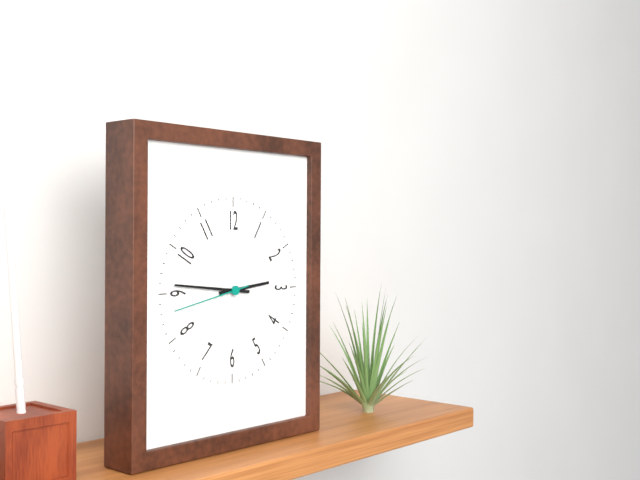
{"hour": 2, "minute": 46, "second": 43}
